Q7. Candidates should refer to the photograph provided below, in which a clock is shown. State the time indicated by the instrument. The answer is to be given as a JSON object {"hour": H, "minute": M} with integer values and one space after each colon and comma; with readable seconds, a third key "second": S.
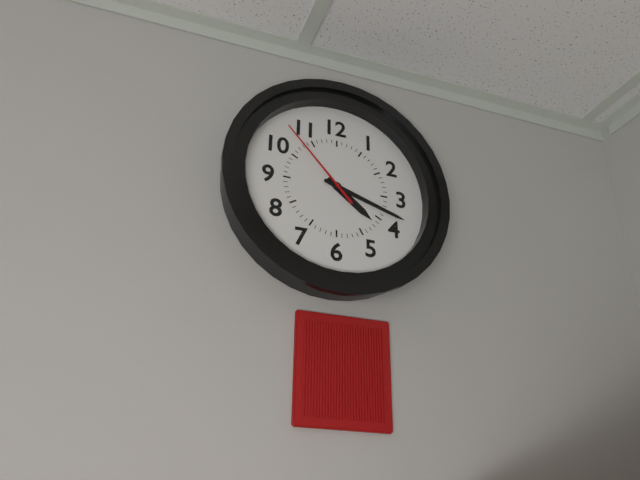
{"hour": 4, "minute": 18, "second": 53}
